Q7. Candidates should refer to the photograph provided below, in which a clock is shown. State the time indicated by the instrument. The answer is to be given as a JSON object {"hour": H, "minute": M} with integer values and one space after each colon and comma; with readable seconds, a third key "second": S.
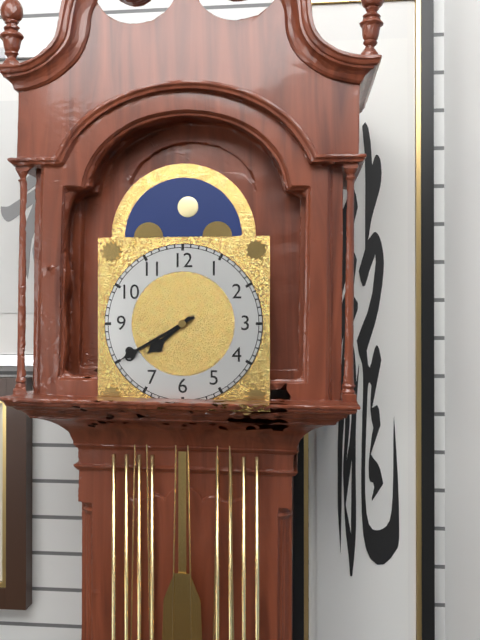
{"hour": 7, "minute": 40}
